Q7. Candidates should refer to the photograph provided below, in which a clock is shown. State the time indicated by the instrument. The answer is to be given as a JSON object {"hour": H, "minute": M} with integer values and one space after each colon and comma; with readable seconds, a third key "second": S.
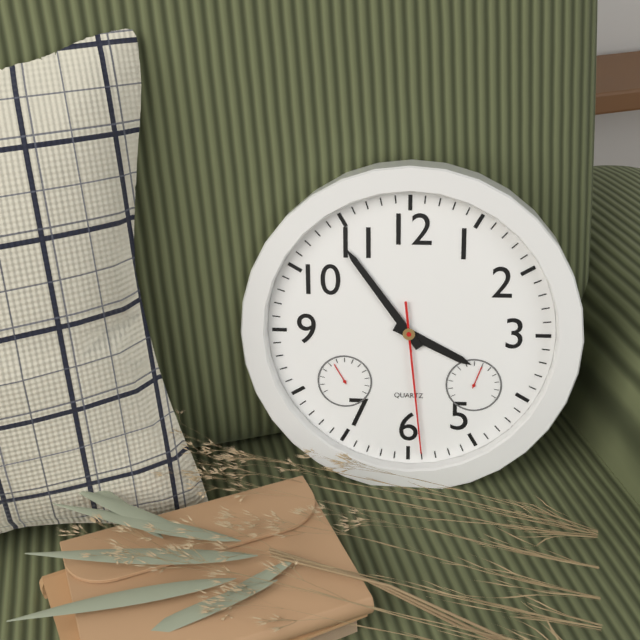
{"hour": 3, "minute": 54, "second": 29}
